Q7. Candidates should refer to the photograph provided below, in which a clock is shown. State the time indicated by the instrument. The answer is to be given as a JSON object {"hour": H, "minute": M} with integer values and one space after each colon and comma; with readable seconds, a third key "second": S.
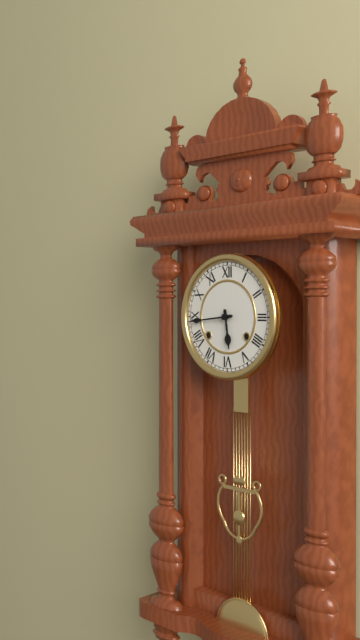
{"hour": 5, "minute": 44}
